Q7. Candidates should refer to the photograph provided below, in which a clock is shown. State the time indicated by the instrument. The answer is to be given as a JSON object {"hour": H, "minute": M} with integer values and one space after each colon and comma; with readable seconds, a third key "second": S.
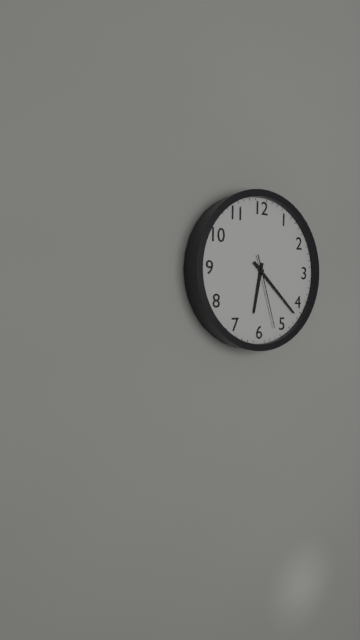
{"hour": 6, "minute": 22, "second": 27}
